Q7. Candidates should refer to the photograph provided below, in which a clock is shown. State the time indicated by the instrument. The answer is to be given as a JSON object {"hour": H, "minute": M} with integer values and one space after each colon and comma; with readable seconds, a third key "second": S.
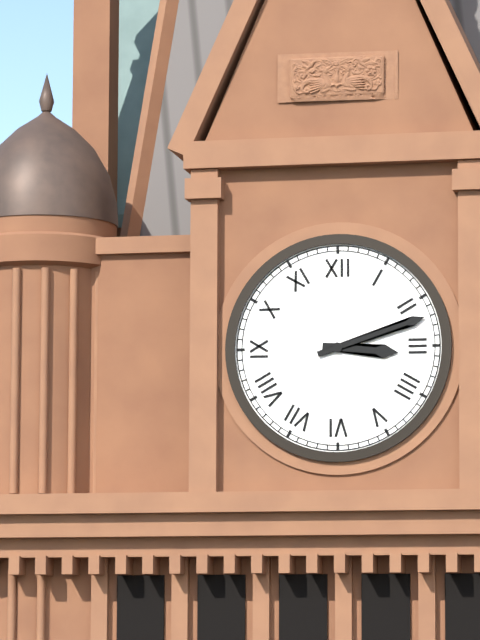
{"hour": 3, "minute": 12}
